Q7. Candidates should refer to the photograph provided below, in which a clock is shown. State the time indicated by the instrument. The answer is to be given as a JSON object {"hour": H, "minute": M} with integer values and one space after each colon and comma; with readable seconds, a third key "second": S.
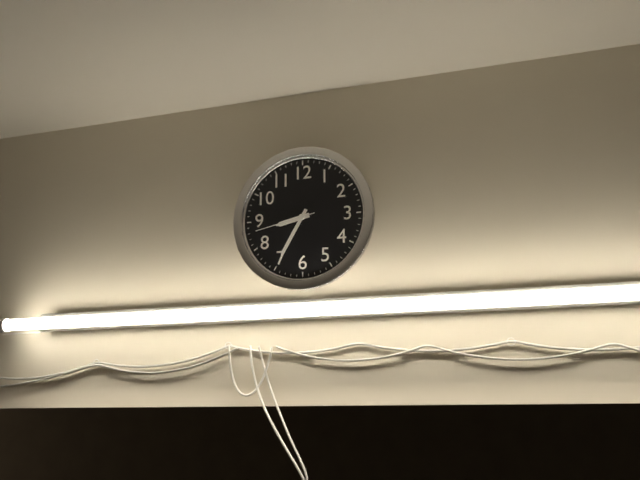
{"hour": 8, "minute": 35, "second": 43}
